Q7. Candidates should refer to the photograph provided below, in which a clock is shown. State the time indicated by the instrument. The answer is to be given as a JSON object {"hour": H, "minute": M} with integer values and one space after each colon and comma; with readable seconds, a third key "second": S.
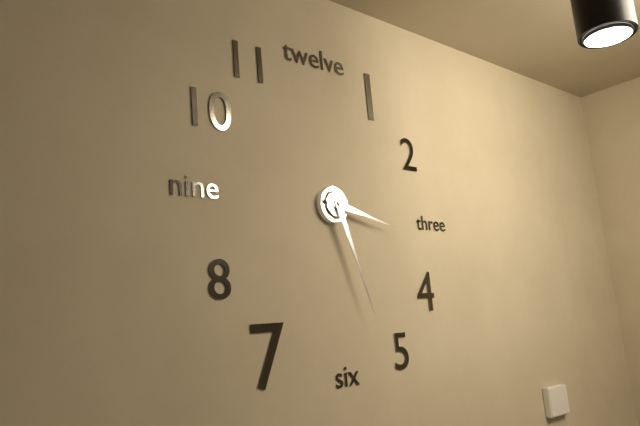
{"hour": 3, "minute": 27}
